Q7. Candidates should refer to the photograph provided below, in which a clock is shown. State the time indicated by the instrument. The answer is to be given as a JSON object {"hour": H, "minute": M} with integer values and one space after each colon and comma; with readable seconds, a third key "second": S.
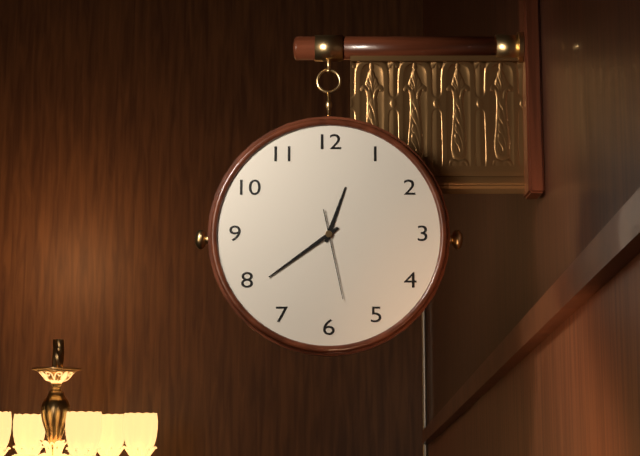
{"hour": 12, "minute": 39, "second": 28}
